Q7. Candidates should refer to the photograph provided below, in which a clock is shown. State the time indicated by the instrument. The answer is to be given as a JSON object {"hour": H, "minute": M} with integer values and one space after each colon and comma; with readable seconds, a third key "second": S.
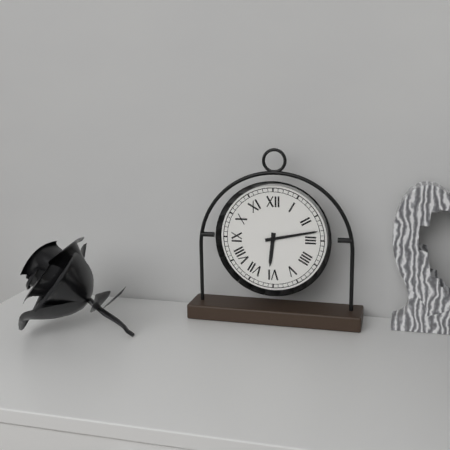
{"hour": 6, "minute": 13}
